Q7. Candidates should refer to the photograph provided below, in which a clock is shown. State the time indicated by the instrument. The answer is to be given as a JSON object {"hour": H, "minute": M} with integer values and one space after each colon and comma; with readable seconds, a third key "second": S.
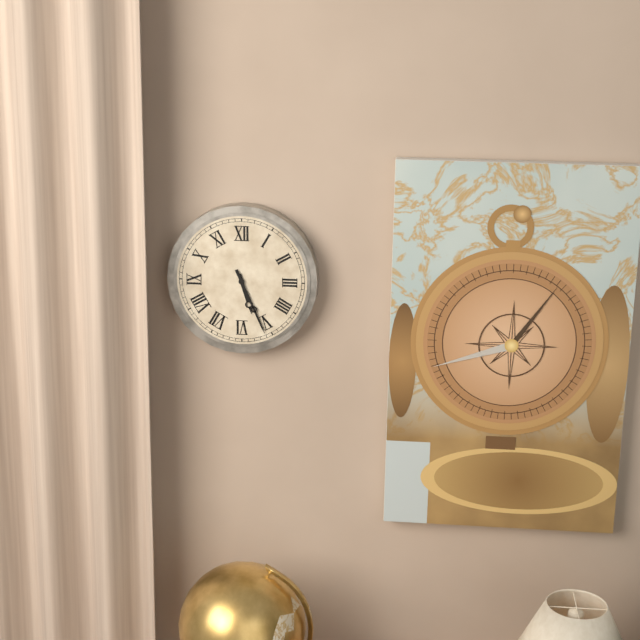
{"hour": 5, "minute": 26}
